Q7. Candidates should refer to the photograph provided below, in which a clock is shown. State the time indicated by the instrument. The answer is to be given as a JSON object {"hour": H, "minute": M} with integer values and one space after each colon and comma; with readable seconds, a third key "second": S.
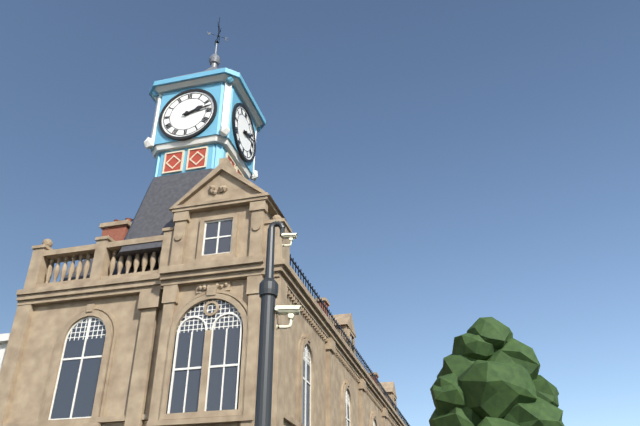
{"hour": 2, "minute": 13}
